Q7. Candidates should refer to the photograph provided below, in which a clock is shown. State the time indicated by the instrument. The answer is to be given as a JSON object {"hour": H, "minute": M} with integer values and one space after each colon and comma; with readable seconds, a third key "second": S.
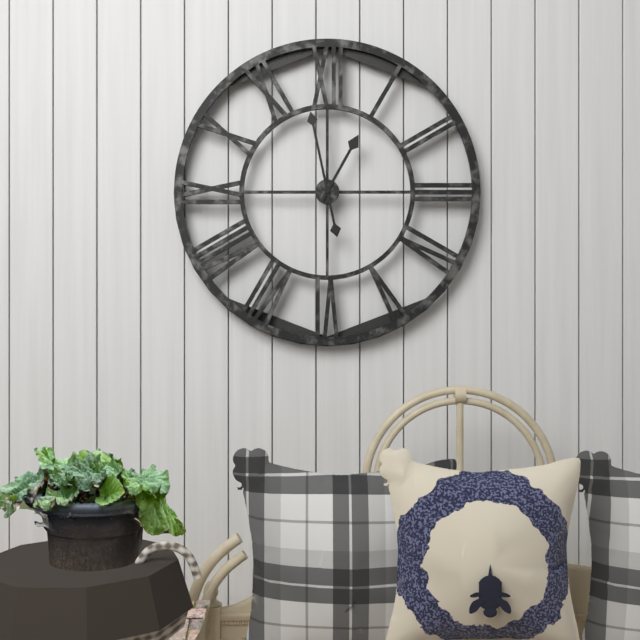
{"hour": 12, "minute": 58}
